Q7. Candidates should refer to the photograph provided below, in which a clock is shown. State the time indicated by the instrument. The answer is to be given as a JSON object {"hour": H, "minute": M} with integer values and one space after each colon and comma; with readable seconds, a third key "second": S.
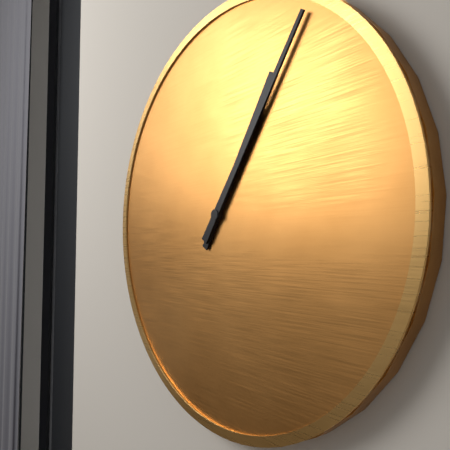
{"hour": 1, "minute": 6}
